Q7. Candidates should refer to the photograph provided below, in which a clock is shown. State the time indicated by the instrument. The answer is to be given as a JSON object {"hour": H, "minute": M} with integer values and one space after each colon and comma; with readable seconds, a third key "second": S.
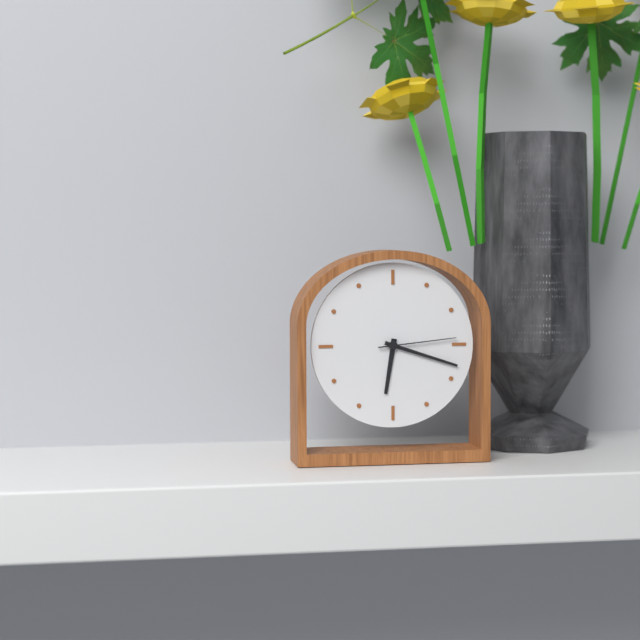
{"hour": 6, "minute": 18, "second": 14}
